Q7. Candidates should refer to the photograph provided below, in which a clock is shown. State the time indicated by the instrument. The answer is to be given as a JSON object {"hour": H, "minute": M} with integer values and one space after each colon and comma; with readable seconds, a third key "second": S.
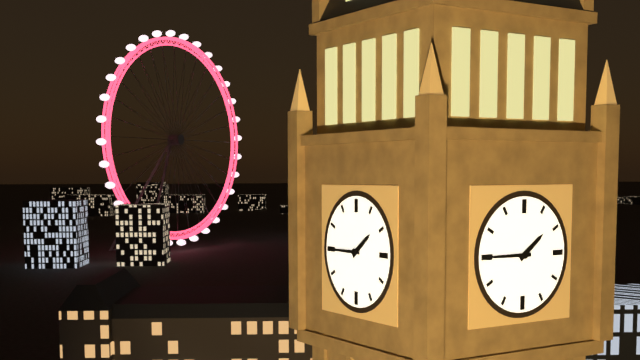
{"hour": 1, "minute": 45}
